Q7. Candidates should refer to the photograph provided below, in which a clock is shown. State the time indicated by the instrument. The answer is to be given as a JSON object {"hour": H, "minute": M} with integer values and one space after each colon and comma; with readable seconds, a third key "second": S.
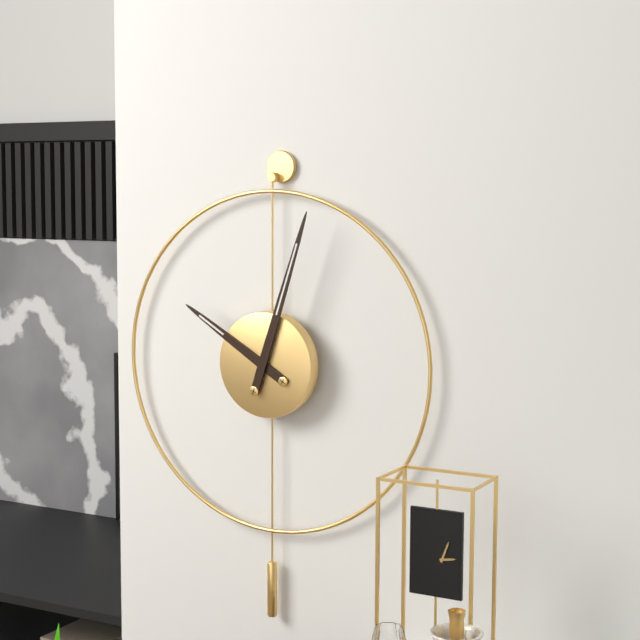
{"hour": 10, "minute": 3}
